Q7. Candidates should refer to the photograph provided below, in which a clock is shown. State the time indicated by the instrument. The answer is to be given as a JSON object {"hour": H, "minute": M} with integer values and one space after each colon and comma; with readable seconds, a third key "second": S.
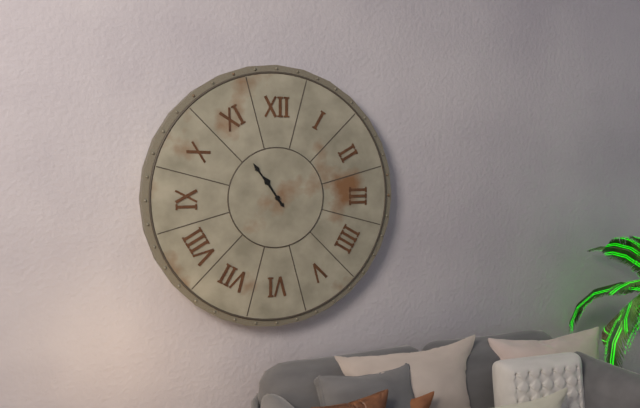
{"hour": 10, "minute": 54}
